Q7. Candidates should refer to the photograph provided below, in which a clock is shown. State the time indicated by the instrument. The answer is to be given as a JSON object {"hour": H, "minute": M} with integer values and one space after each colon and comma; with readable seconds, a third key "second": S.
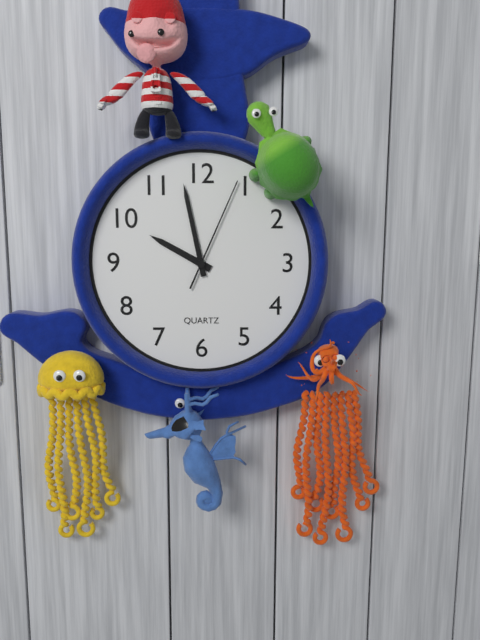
{"hour": 9, "minute": 58, "second": 4}
